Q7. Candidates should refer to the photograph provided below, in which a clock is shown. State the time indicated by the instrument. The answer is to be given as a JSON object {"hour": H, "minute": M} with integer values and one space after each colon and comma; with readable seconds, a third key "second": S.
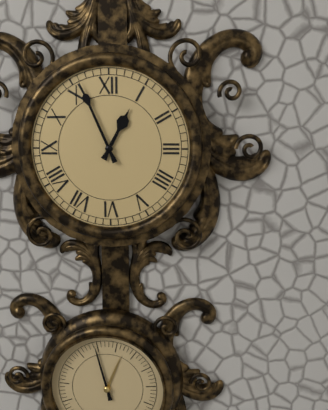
{"hour": 12, "minute": 56}
